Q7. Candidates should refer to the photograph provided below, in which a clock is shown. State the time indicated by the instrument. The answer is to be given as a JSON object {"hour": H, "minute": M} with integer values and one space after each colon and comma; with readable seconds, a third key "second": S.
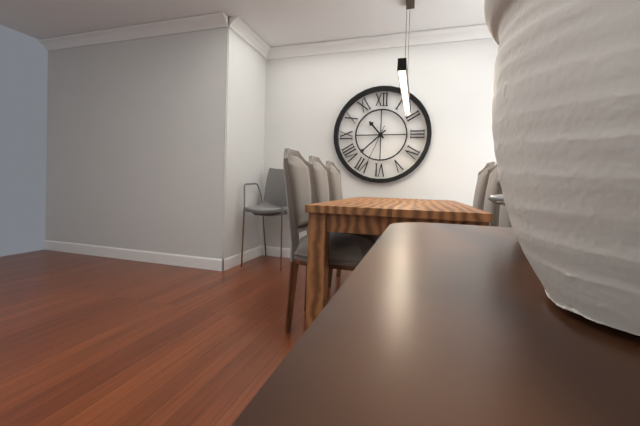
{"hour": 10, "minute": 38}
